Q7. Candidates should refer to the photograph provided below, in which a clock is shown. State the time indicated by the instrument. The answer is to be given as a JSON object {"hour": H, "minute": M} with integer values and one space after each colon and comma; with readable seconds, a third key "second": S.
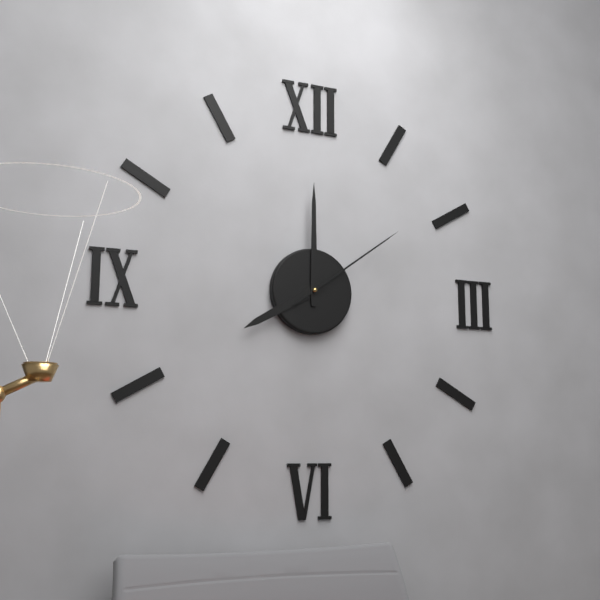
{"hour": 8, "minute": 0, "second": 9}
